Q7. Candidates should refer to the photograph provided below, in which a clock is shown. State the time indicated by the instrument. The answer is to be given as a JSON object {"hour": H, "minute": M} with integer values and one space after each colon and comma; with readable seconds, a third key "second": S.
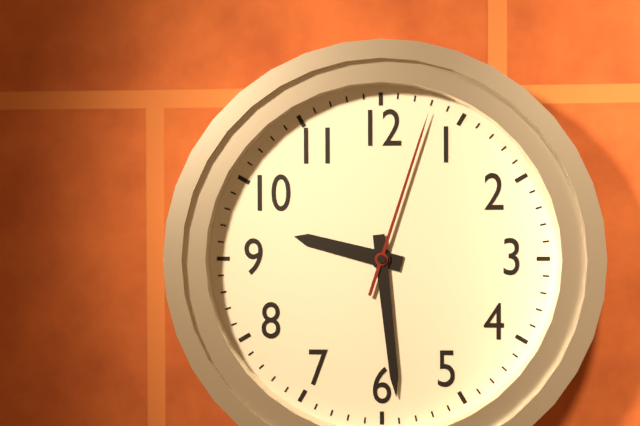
{"hour": 9, "minute": 29, "second": 3}
